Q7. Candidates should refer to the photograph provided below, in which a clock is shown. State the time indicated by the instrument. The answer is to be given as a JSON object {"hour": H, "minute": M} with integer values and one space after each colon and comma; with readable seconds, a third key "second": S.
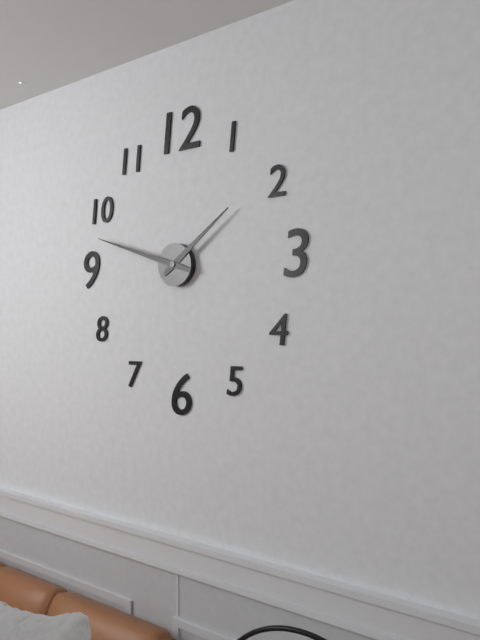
{"hour": 1, "minute": 48}
